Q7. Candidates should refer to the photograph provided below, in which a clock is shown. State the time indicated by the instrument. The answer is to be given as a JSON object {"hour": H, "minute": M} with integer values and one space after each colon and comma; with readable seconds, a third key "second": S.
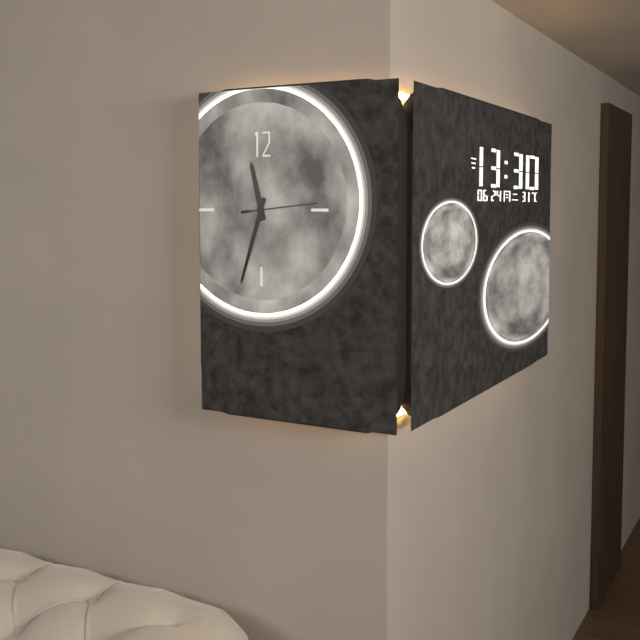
{"hour": 11, "minute": 33, "second": 14}
